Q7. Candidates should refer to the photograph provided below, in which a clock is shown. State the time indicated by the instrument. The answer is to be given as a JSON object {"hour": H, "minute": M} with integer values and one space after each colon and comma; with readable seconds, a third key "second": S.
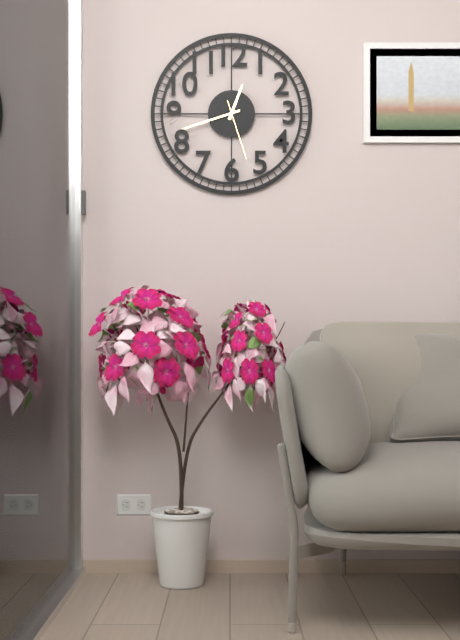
{"hour": 12, "minute": 42, "second": 27}
